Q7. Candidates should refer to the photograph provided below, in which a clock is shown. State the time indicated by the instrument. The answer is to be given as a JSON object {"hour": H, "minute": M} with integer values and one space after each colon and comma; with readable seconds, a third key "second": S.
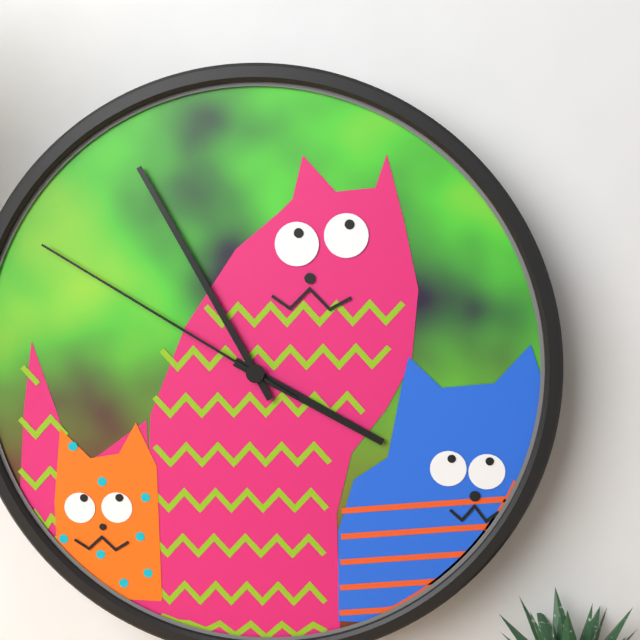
{"hour": 3, "minute": 55, "second": 50}
